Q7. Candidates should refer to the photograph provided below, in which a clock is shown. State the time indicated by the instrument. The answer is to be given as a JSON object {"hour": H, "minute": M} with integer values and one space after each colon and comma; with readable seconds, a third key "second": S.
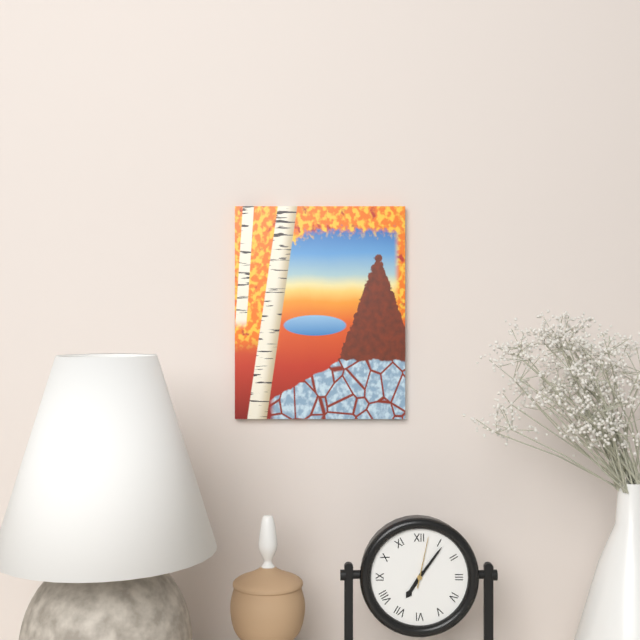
{"hour": 7, "minute": 6, "second": 2}
